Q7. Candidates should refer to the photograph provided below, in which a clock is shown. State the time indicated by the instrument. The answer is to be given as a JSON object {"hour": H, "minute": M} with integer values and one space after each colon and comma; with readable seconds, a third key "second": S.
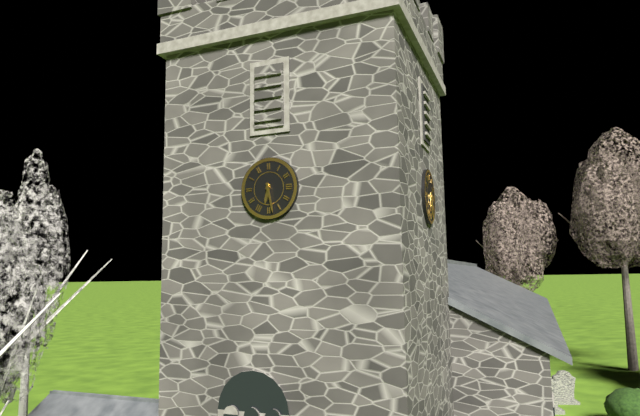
{"hour": 6, "minute": 28}
